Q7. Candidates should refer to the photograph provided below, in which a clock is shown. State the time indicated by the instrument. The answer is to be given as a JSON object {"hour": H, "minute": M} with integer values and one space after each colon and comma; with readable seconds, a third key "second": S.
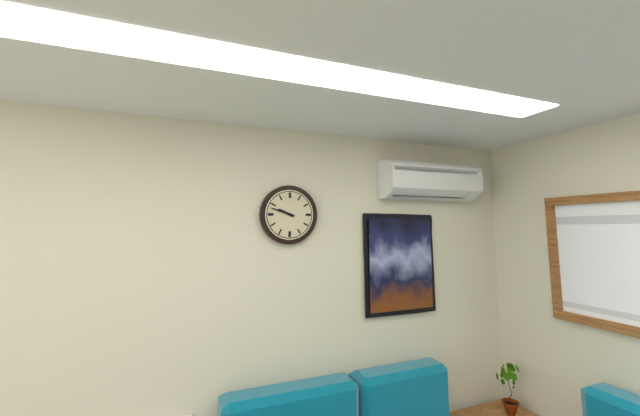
{"hour": 9, "minute": 48}
